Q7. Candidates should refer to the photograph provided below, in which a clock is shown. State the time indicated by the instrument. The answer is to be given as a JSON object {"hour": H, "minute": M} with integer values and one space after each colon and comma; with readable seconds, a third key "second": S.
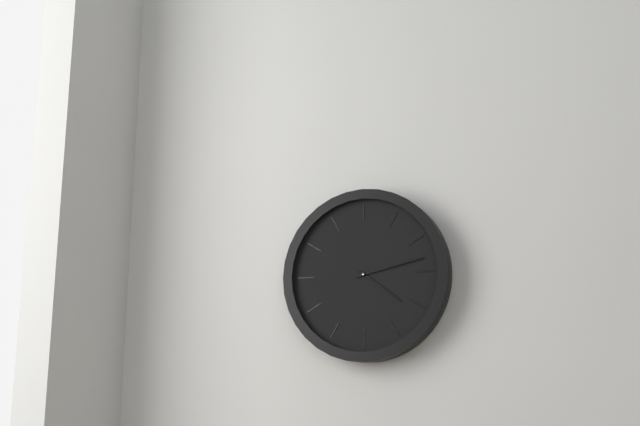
{"hour": 4, "minute": 13}
